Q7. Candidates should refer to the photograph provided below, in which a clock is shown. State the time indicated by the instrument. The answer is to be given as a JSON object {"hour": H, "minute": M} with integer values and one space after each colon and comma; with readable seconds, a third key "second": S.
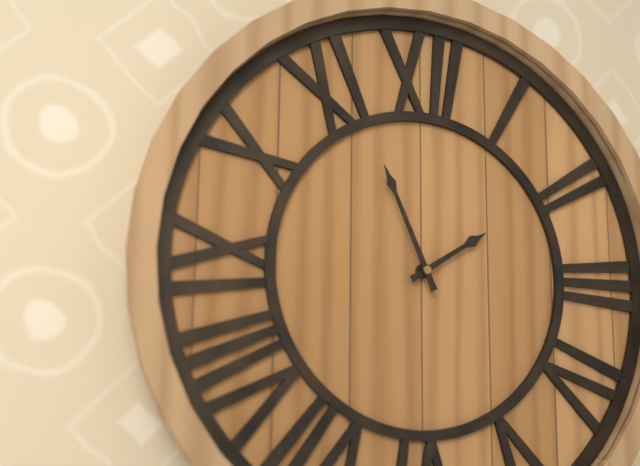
{"hour": 1, "minute": 56}
